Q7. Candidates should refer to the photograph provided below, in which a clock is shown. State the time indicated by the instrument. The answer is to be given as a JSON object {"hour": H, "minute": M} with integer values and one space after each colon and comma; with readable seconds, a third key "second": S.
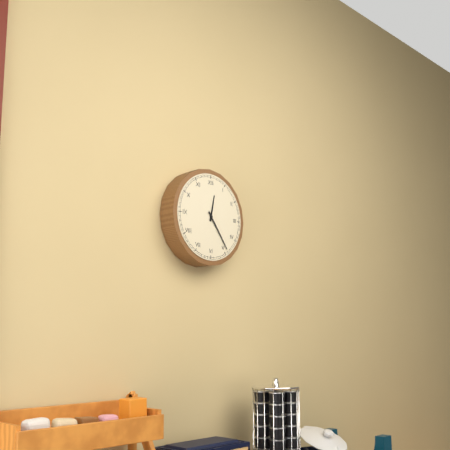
{"hour": 12, "minute": 24}
